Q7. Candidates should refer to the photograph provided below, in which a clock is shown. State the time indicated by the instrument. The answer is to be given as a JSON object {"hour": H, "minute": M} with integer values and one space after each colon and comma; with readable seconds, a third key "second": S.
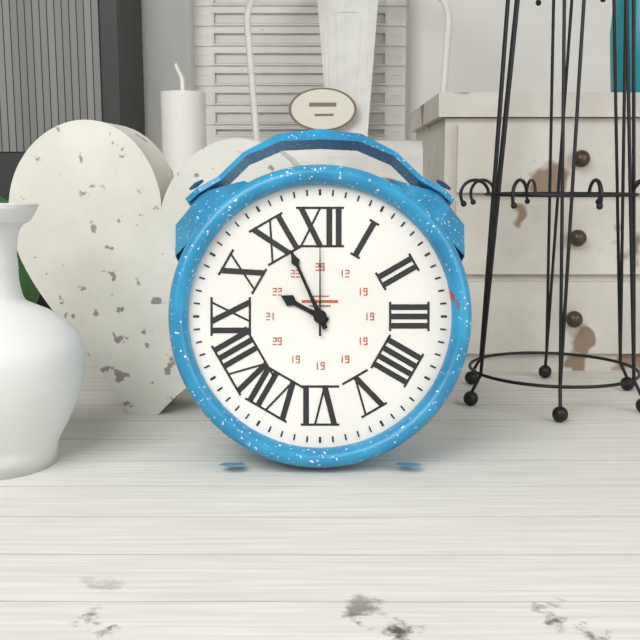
{"hour": 9, "minute": 56, "second": 0}
